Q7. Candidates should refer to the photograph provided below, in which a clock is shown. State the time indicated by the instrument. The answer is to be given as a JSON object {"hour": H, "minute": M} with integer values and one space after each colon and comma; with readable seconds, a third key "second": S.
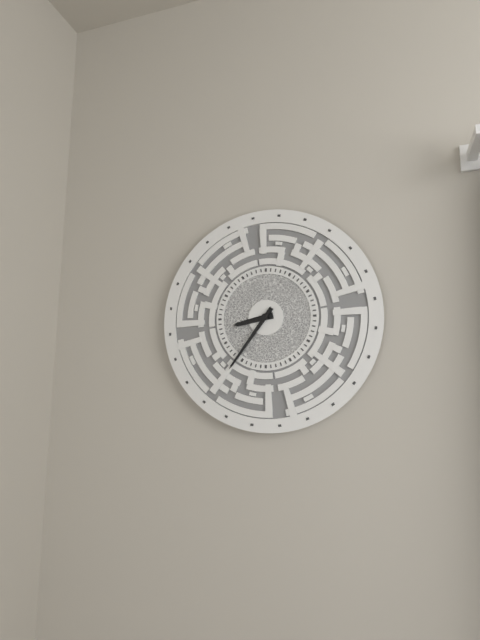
{"hour": 8, "minute": 36}
